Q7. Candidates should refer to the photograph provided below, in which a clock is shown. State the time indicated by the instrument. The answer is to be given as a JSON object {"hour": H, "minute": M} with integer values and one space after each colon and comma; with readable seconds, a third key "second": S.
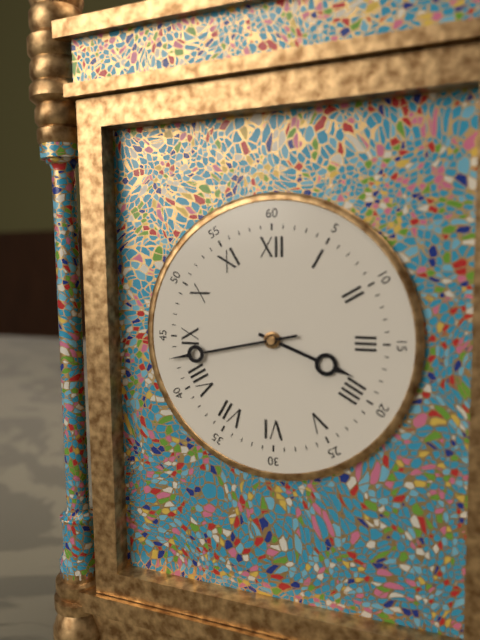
{"hour": 3, "minute": 43}
